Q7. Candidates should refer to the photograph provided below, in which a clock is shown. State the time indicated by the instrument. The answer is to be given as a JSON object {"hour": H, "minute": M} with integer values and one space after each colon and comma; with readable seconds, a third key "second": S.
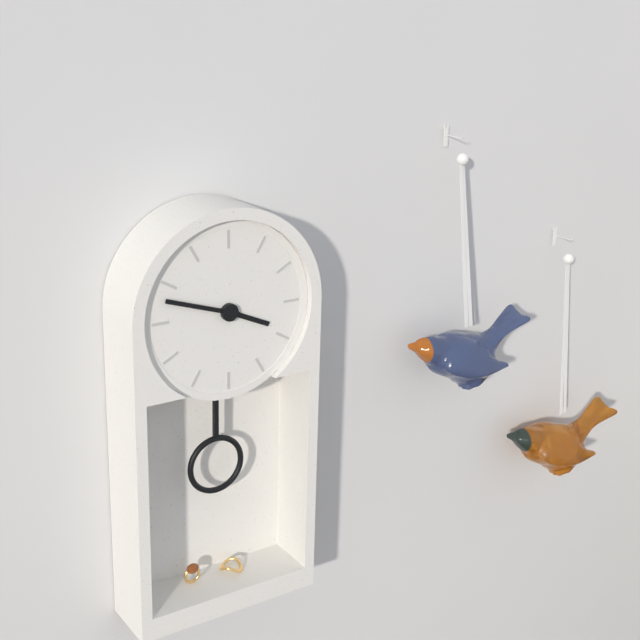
{"hour": 3, "minute": 48}
